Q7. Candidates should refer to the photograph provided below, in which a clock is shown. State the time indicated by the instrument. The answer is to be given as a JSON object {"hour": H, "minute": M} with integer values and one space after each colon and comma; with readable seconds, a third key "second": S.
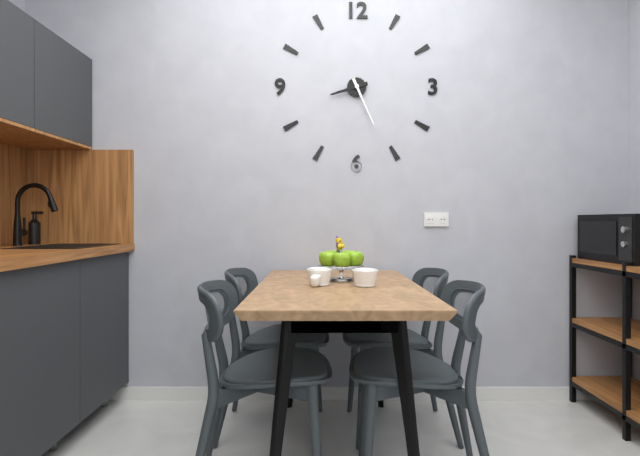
{"hour": 8, "minute": 26}
